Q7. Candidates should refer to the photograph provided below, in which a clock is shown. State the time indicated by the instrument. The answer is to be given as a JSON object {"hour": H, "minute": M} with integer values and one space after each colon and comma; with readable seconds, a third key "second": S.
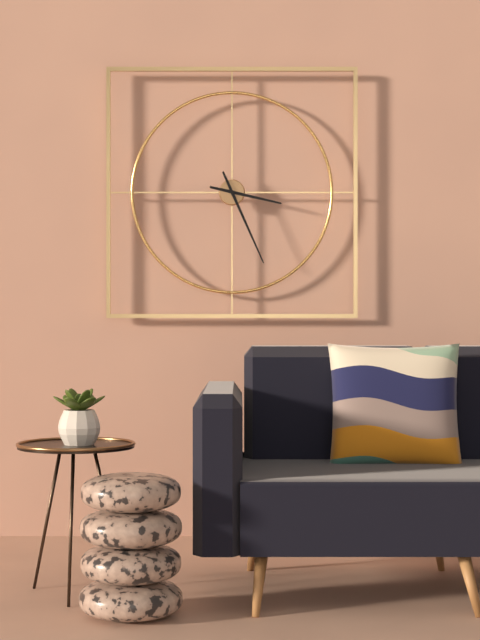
{"hour": 3, "minute": 26}
